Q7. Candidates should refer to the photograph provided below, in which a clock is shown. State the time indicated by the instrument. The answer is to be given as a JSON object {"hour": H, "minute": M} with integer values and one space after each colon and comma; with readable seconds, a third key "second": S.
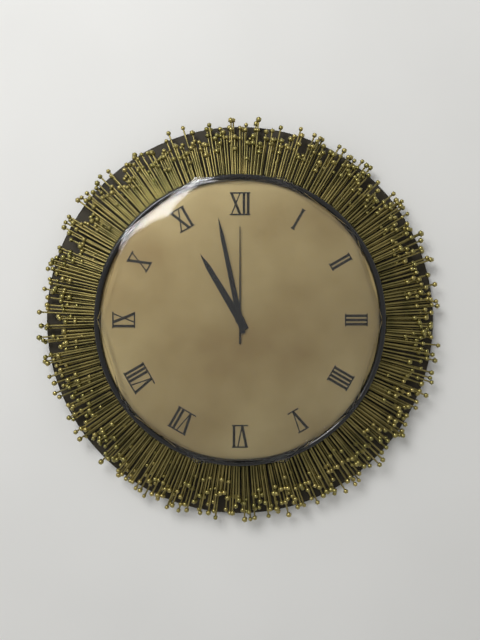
{"hour": 10, "minute": 58, "second": 0}
